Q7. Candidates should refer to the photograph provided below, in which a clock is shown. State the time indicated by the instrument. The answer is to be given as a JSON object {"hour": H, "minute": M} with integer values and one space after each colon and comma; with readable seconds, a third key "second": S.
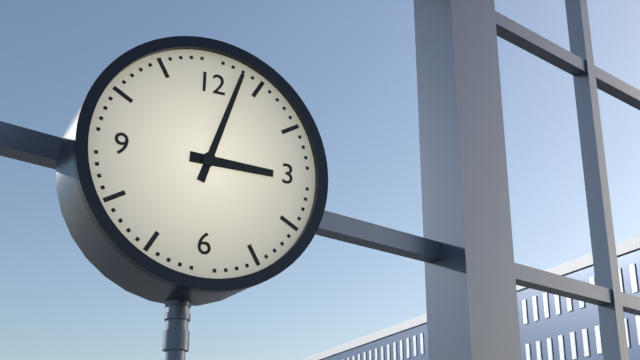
{"hour": 3, "minute": 3}
